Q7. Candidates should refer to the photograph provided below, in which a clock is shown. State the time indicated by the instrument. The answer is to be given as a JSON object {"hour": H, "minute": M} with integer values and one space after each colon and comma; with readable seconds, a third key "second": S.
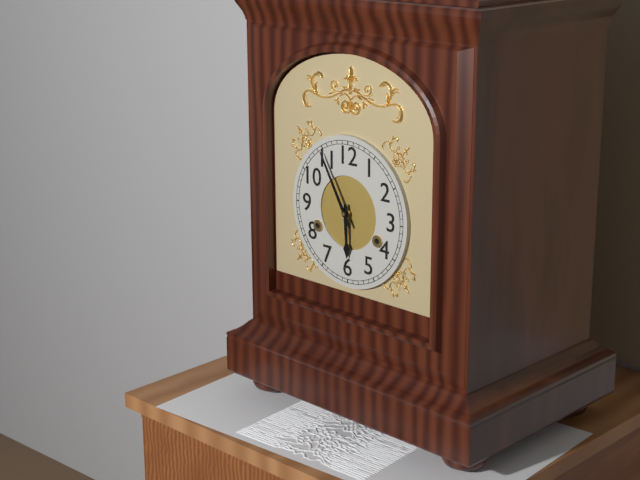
{"hour": 5, "minute": 55}
